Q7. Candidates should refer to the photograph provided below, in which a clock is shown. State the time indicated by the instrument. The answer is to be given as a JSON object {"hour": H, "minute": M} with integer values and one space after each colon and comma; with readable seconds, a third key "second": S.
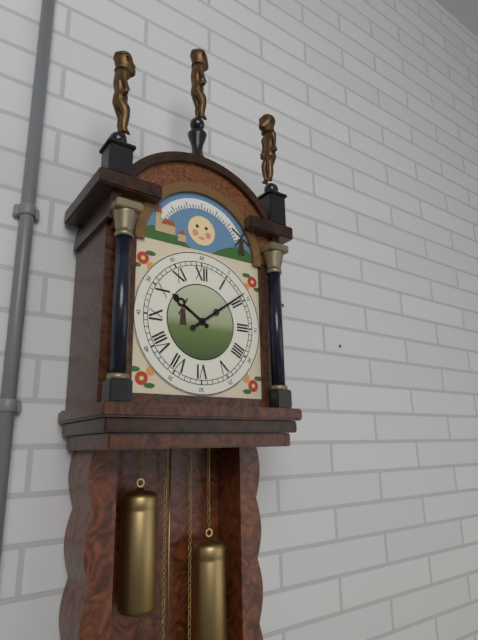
{"hour": 10, "minute": 9}
